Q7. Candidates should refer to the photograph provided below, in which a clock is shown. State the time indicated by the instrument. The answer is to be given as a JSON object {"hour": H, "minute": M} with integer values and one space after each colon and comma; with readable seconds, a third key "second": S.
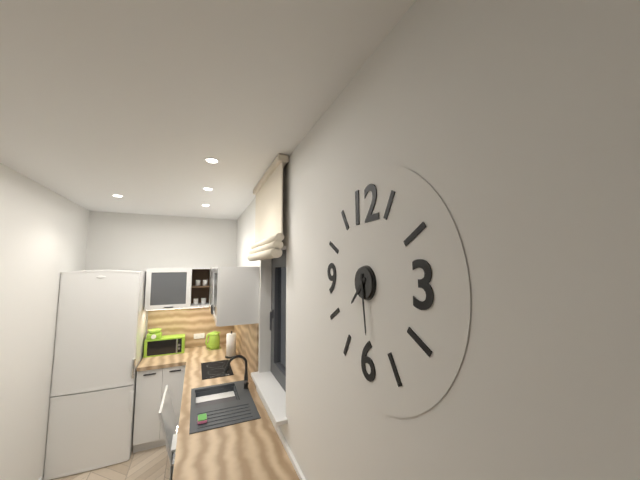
{"hour": 7, "minute": 29}
